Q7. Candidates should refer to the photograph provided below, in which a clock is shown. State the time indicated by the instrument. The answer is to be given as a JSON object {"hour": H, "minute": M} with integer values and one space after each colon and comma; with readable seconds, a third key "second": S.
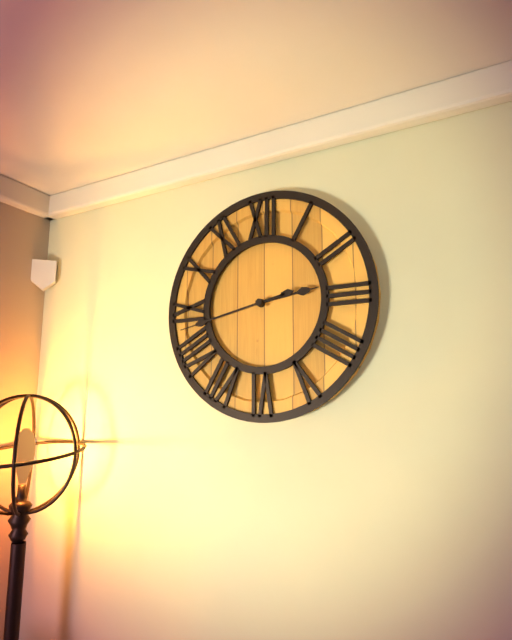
{"hour": 2, "minute": 43}
